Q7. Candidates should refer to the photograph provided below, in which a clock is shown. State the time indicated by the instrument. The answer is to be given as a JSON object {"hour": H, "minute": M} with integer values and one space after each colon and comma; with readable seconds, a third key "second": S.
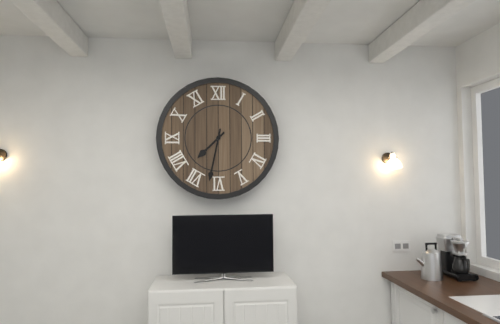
{"hour": 7, "minute": 32}
